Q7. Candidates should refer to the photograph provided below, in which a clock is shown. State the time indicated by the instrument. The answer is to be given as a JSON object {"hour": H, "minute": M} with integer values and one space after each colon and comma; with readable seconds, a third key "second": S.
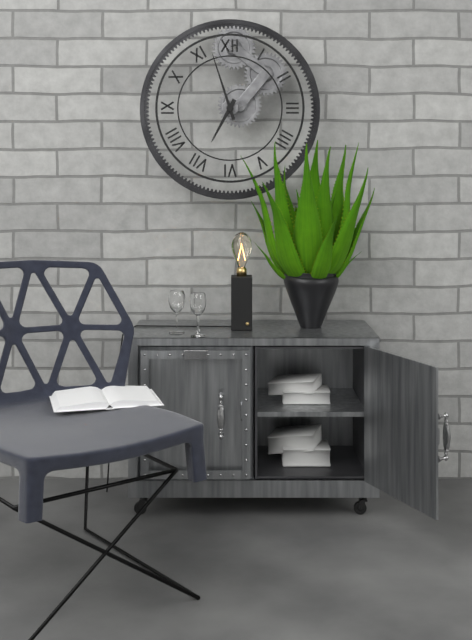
{"hour": 6, "minute": 57}
